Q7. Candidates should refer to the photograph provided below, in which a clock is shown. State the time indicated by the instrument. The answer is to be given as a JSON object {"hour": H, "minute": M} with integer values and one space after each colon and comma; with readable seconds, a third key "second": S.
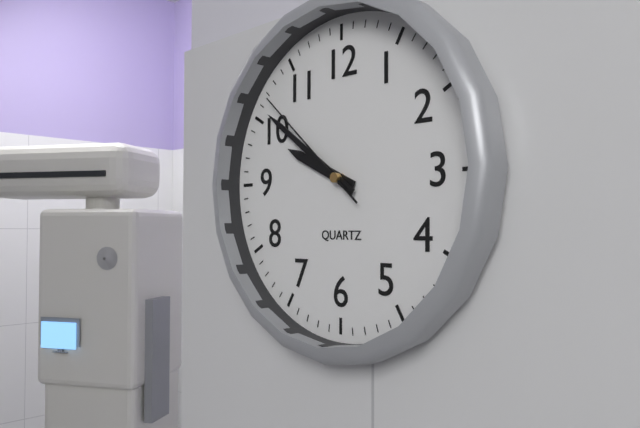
{"hour": 9, "minute": 51, "second": 52}
